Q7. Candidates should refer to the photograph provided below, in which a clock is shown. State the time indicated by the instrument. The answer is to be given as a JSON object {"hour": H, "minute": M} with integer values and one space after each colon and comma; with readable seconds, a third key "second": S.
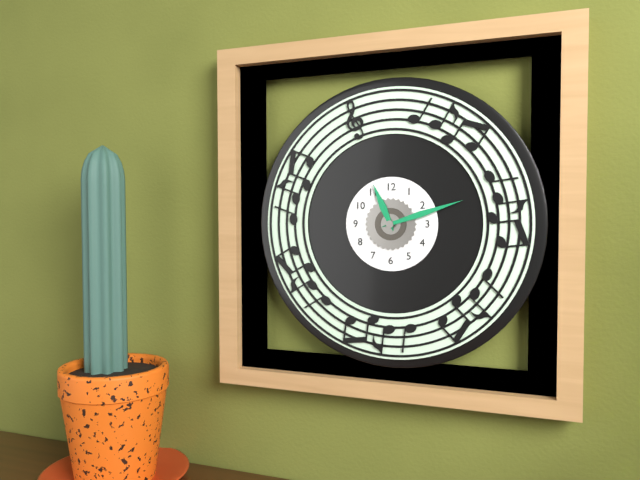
{"hour": 11, "minute": 12}
